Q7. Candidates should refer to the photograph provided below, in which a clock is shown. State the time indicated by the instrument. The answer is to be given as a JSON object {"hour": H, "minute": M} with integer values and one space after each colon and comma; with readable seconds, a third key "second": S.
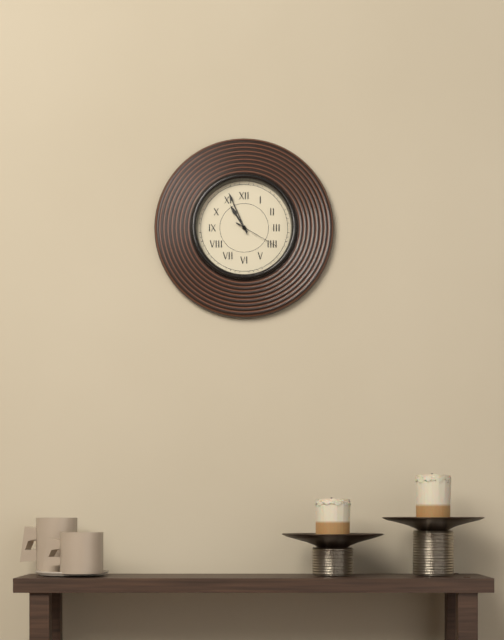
{"hour": 10, "minute": 56}
